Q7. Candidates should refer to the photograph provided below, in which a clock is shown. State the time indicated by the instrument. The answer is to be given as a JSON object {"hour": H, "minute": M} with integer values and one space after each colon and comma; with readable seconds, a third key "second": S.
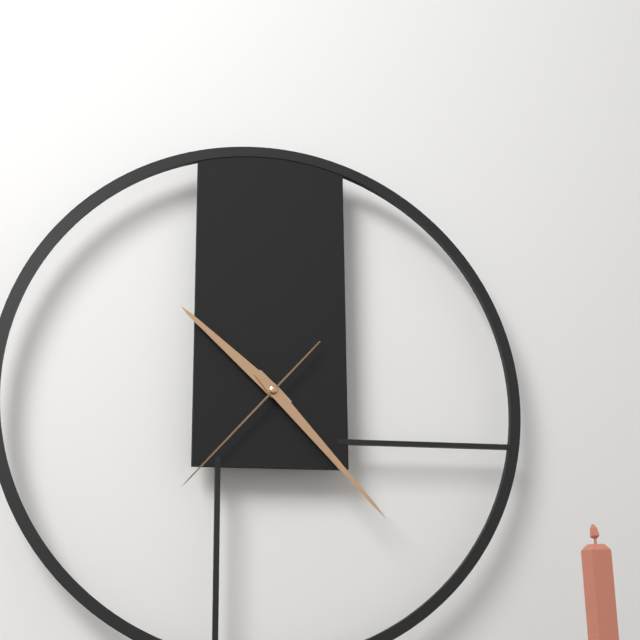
{"hour": 10, "minute": 23, "second": 37}
